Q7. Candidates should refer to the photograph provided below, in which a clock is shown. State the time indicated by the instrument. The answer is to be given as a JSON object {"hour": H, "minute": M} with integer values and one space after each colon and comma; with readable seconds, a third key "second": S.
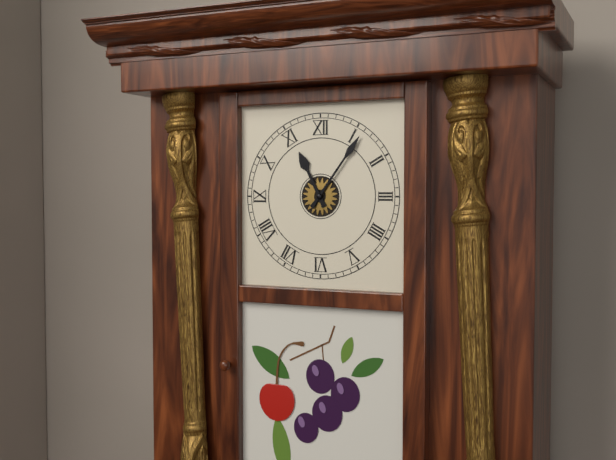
{"hour": 11, "minute": 6}
